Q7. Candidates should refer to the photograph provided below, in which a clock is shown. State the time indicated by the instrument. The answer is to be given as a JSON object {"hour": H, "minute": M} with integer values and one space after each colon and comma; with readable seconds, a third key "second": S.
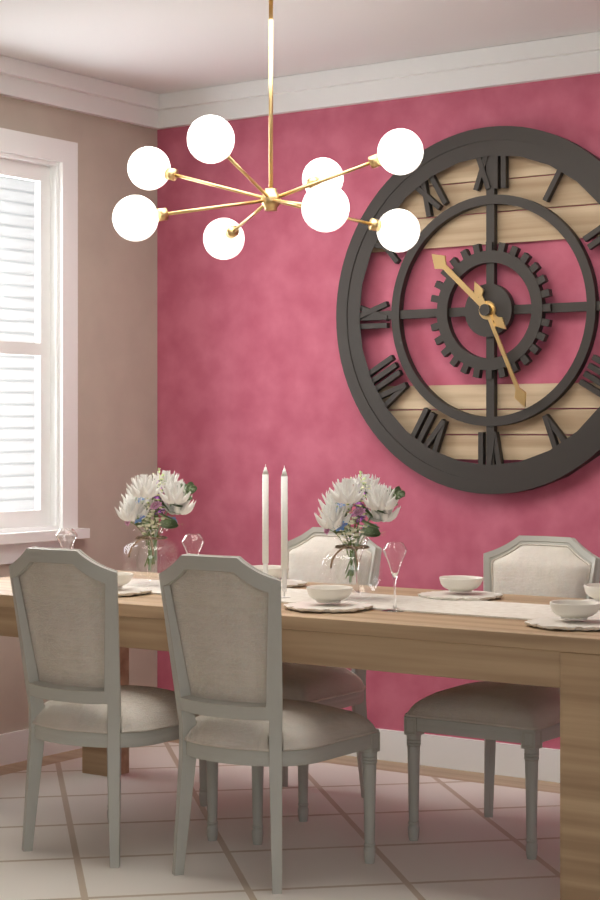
{"hour": 10, "minute": 26}
